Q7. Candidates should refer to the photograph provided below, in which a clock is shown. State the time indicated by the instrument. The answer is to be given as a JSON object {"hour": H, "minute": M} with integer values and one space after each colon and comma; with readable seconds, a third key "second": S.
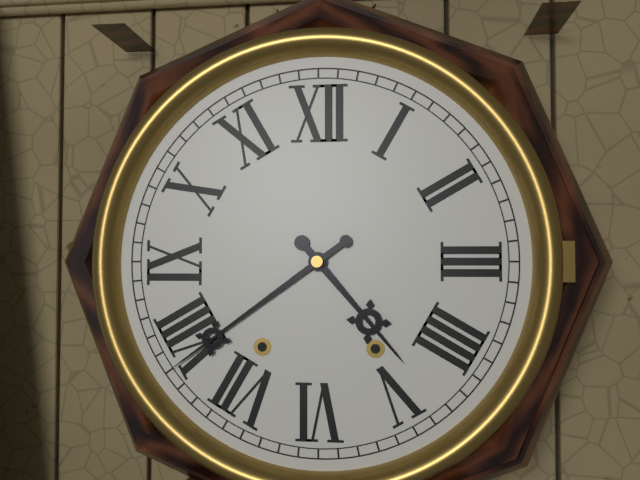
{"hour": 4, "minute": 39}
